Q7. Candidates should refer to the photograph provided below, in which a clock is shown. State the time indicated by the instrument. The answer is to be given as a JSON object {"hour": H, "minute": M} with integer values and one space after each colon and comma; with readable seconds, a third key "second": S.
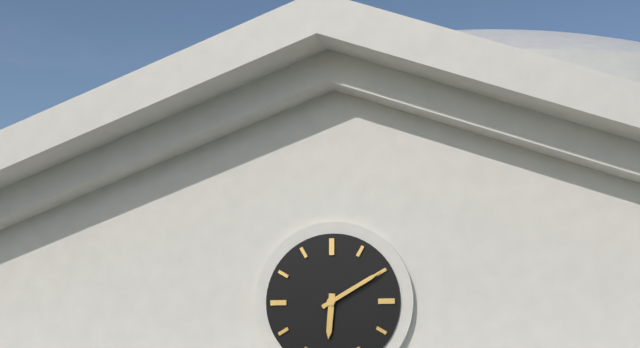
{"hour": 6, "minute": 10}
